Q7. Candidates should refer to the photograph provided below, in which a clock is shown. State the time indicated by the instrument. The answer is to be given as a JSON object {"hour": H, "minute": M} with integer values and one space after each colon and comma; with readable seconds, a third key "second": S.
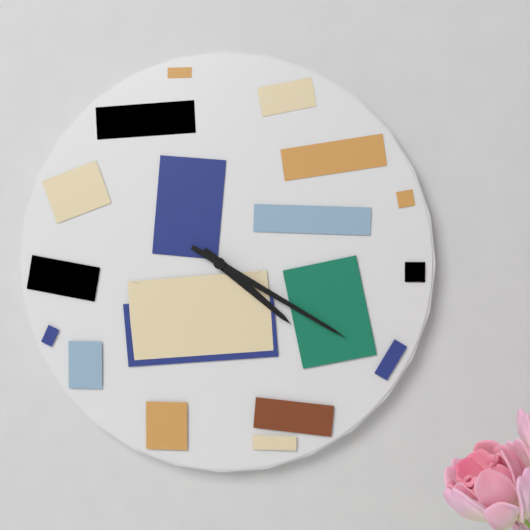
{"hour": 4, "minute": 20}
